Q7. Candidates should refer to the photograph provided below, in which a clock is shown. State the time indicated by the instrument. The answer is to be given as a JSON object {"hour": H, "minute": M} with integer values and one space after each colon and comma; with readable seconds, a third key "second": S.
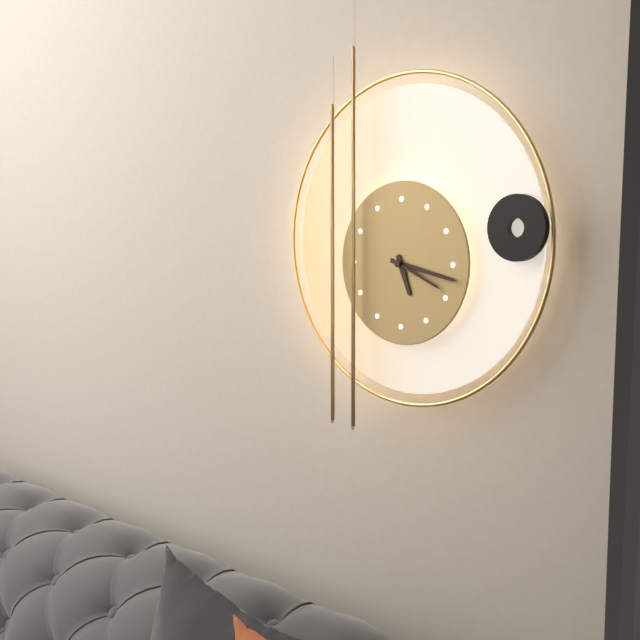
{"hour": 5, "minute": 17, "second": 19}
